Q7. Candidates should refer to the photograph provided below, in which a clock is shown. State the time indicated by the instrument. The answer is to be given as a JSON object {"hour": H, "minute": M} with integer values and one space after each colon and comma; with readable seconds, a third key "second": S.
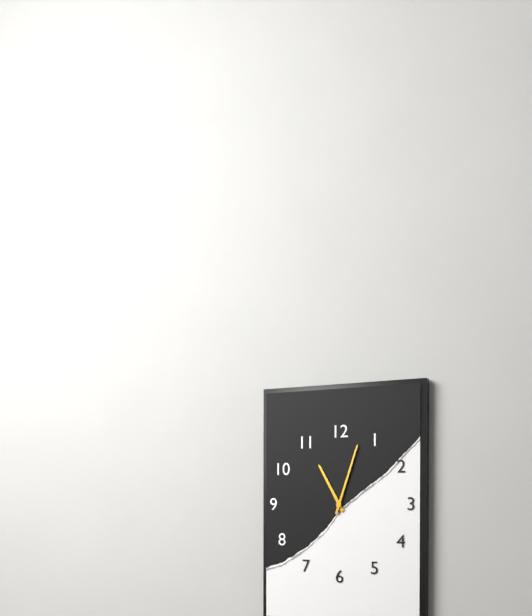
{"hour": 11, "minute": 3}
